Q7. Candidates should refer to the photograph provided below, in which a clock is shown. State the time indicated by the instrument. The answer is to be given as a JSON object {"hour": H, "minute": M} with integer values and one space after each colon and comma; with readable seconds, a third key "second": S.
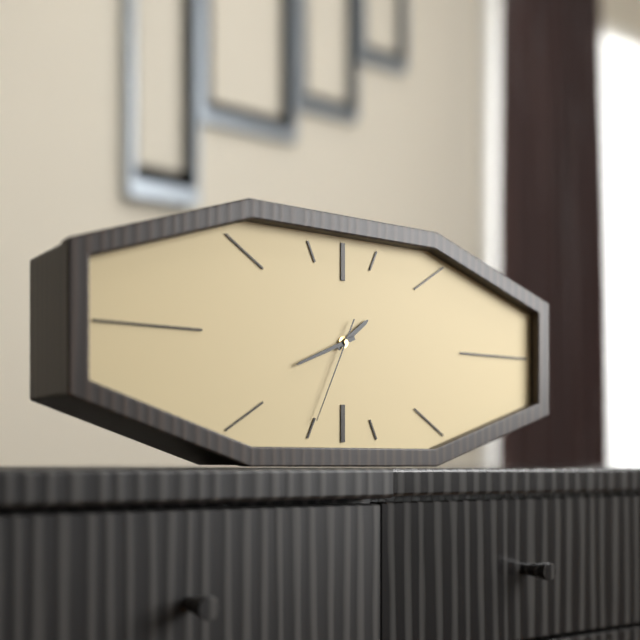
{"hour": 1, "minute": 41, "second": 34}
